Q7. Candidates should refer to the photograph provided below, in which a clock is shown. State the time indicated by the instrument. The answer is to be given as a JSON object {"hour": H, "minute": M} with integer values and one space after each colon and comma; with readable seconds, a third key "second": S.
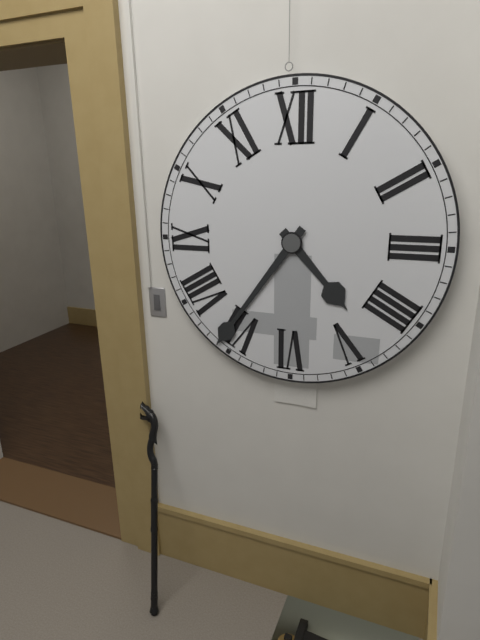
{"hour": 4, "minute": 36}
